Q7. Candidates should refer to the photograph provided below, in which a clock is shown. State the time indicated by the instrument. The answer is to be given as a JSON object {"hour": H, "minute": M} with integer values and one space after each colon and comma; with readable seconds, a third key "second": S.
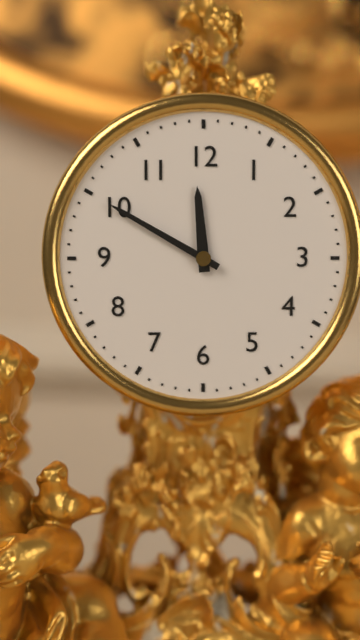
{"hour": 11, "minute": 50}
